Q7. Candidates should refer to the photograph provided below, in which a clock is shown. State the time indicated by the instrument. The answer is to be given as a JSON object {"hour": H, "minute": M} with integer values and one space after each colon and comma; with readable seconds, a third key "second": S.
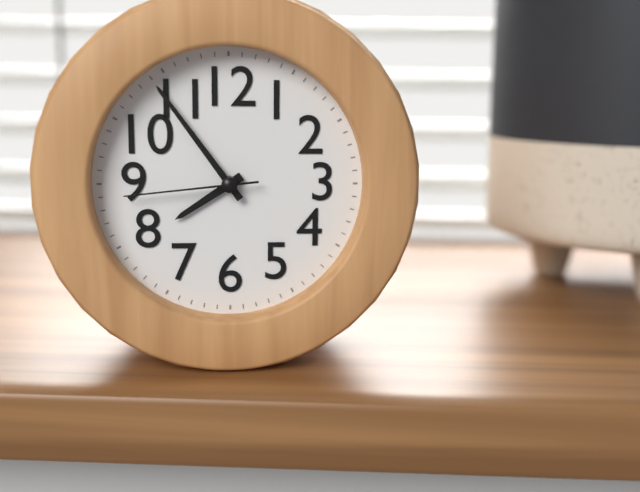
{"hour": 7, "minute": 54, "second": 44}
